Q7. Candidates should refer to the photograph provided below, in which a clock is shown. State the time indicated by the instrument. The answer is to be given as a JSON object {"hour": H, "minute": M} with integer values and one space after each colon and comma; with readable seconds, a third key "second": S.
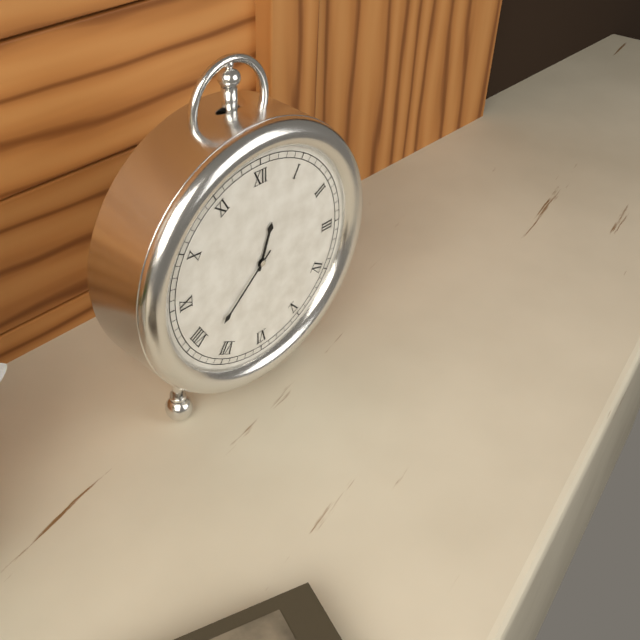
{"hour": 12, "minute": 38}
